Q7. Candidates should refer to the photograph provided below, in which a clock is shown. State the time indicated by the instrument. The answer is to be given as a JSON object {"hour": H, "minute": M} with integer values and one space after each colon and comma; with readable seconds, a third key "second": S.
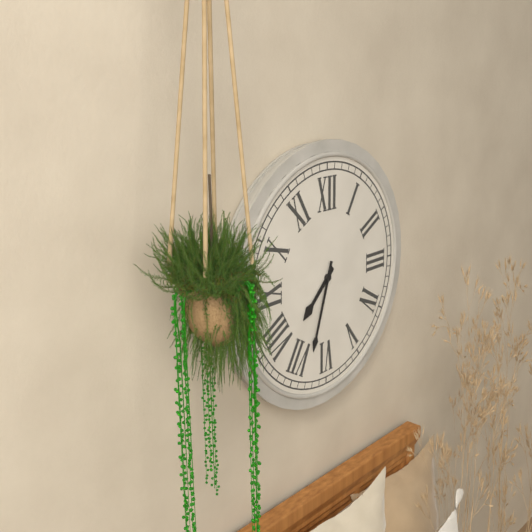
{"hour": 7, "minute": 33}
